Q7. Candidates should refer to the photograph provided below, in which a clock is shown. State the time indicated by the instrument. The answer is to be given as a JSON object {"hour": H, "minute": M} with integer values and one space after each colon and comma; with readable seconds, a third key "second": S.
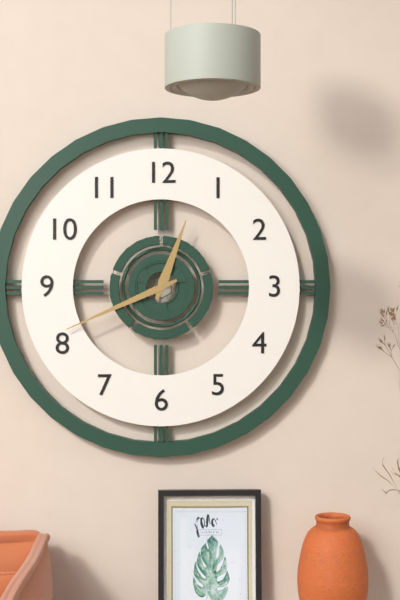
{"hour": 12, "minute": 41}
